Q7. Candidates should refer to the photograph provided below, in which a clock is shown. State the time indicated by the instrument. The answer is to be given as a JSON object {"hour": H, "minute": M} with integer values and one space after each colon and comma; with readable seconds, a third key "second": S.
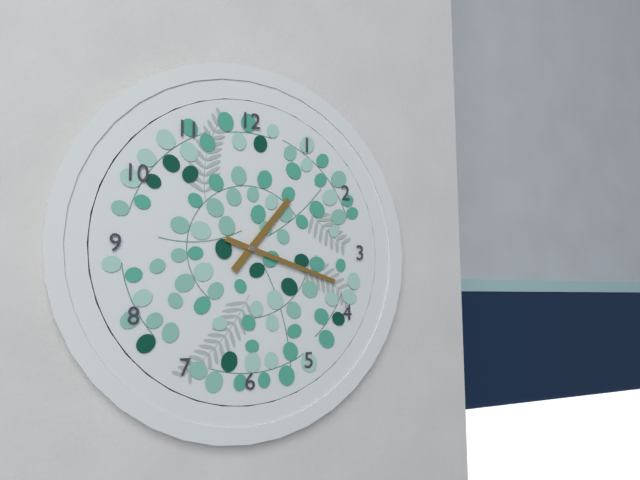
{"hour": 1, "minute": 18}
